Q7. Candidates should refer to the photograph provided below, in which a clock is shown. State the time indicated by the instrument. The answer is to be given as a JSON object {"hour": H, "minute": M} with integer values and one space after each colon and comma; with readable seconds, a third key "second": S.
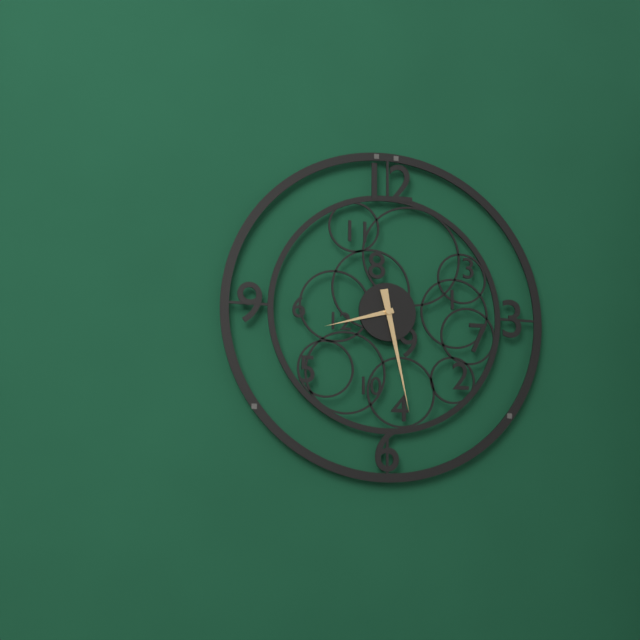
{"hour": 8, "minute": 28}
